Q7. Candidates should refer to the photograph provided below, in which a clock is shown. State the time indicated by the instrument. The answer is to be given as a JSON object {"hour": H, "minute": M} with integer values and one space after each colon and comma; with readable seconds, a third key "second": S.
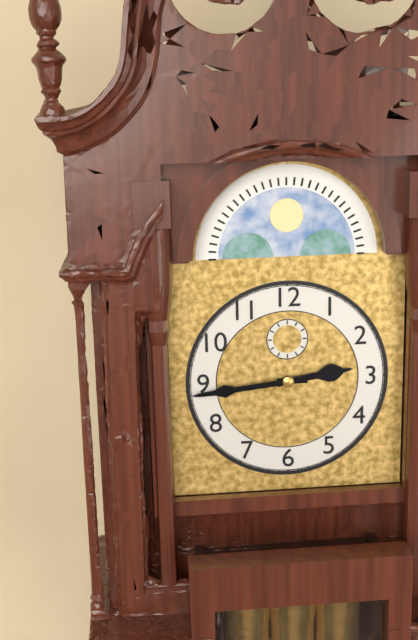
{"hour": 2, "minute": 44}
